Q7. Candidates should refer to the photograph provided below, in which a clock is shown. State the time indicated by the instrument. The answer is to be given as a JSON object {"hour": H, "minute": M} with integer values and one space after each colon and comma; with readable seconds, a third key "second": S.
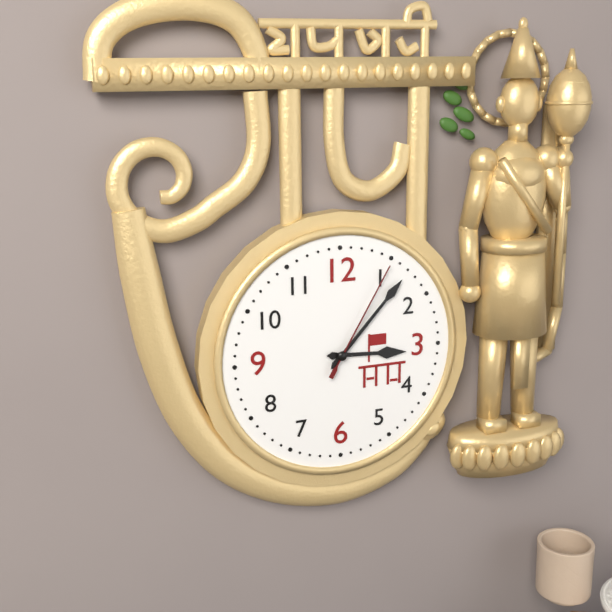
{"hour": 3, "minute": 7, "second": 5}
